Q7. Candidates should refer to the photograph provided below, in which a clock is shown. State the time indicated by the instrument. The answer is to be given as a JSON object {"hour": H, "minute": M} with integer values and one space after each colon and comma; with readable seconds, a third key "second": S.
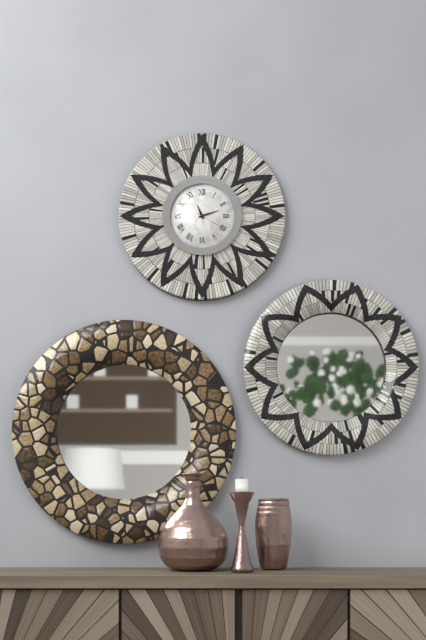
{"hour": 11, "minute": 12}
